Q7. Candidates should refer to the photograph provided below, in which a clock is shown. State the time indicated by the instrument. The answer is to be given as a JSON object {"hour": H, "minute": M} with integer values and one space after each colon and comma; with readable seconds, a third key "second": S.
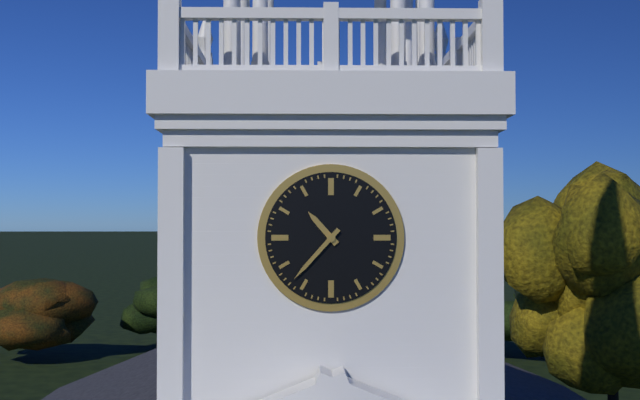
{"hour": 10, "minute": 37}
